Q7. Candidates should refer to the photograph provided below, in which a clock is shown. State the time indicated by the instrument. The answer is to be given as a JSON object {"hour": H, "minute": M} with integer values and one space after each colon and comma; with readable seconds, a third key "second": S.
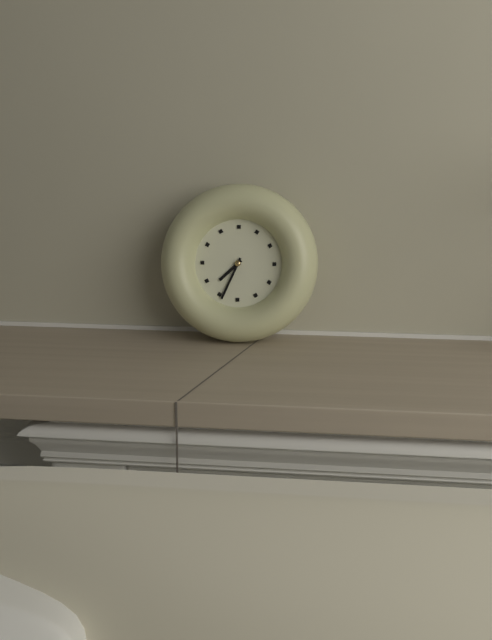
{"hour": 7, "minute": 34}
